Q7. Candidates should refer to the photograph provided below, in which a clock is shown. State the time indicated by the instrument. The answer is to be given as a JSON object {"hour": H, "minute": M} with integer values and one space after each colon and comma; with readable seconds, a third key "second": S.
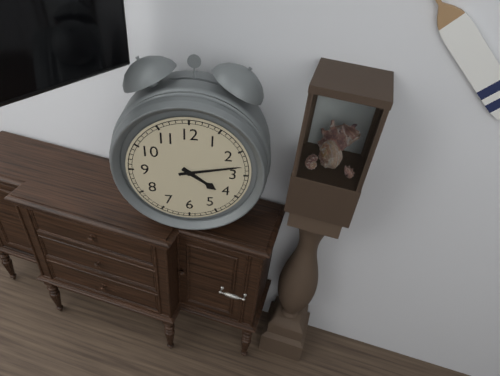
{"hour": 4, "minute": 13}
